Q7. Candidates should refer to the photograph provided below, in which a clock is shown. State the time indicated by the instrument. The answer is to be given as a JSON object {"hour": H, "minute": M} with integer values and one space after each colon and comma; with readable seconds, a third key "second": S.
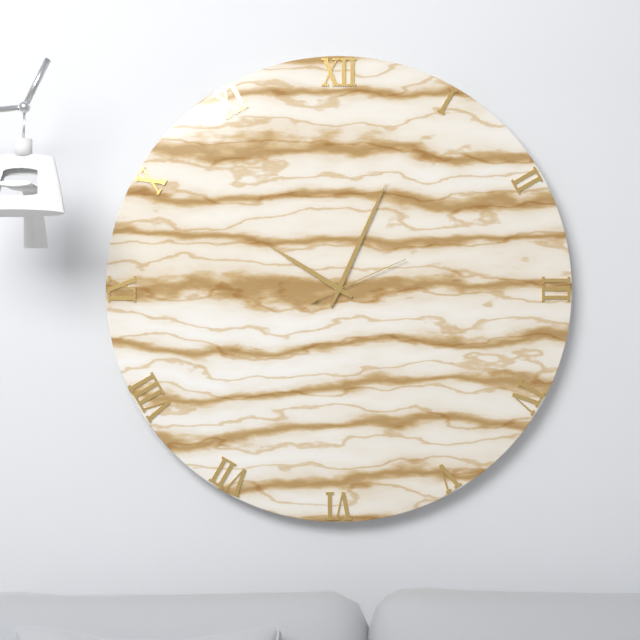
{"hour": 10, "minute": 4, "second": 11}
